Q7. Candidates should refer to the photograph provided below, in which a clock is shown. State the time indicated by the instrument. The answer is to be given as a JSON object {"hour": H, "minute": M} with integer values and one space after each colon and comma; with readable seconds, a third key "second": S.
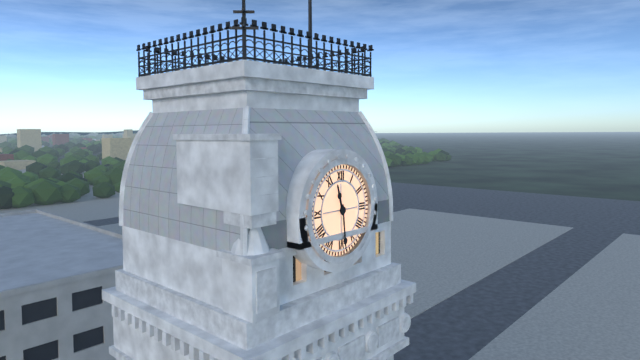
{"hour": 11, "minute": 29}
